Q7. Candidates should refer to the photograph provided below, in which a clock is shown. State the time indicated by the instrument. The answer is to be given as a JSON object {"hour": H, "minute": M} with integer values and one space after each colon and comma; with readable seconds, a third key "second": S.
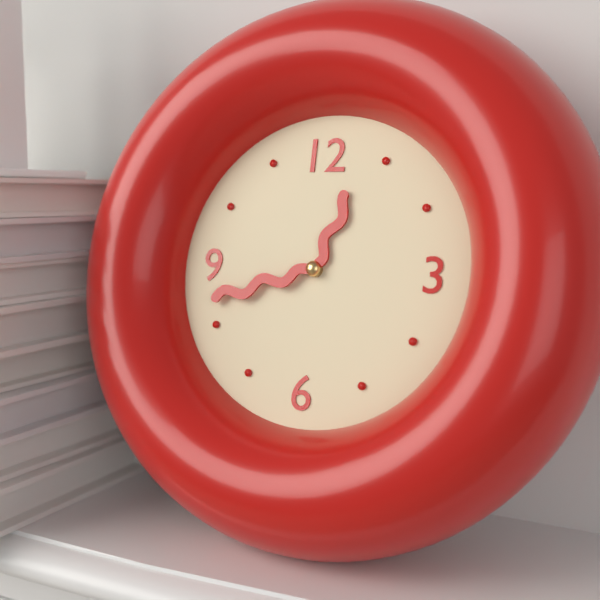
{"hour": 12, "minute": 42}
